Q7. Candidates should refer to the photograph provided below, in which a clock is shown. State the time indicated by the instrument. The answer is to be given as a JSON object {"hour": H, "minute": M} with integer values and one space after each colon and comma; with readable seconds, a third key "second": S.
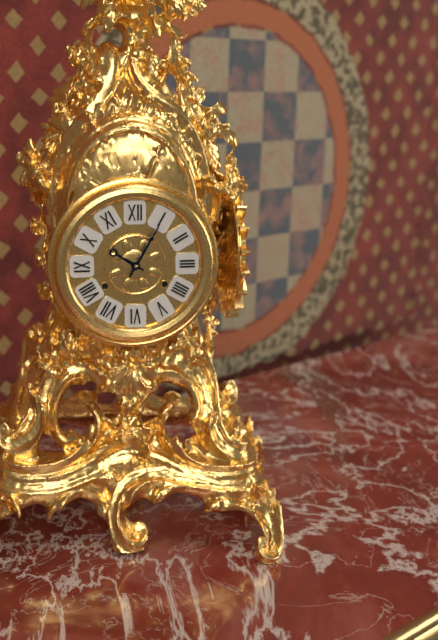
{"hour": 10, "minute": 5}
